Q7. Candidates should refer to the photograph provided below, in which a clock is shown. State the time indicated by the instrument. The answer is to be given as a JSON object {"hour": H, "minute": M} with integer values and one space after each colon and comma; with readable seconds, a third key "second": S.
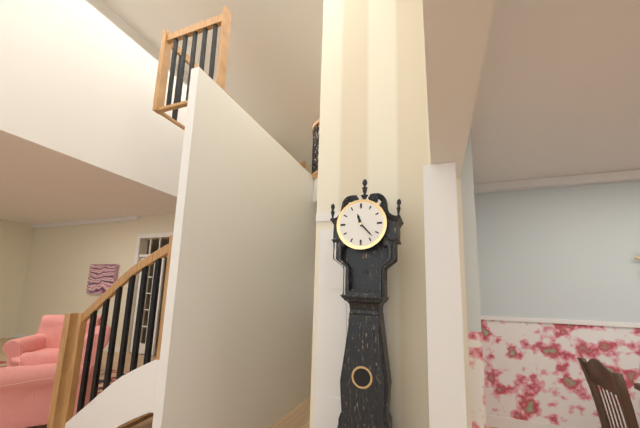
{"hour": 11, "minute": 23}
